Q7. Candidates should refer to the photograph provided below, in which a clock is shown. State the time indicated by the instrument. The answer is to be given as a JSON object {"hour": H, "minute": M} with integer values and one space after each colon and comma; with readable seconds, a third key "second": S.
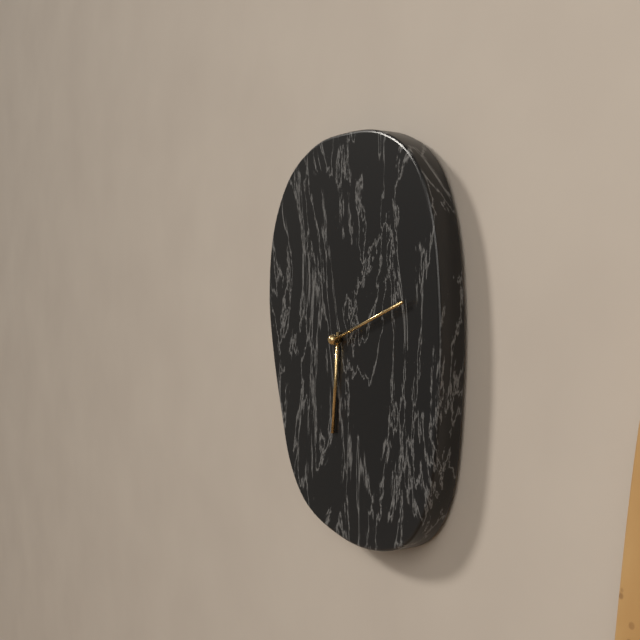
{"hour": 6, "minute": 12}
